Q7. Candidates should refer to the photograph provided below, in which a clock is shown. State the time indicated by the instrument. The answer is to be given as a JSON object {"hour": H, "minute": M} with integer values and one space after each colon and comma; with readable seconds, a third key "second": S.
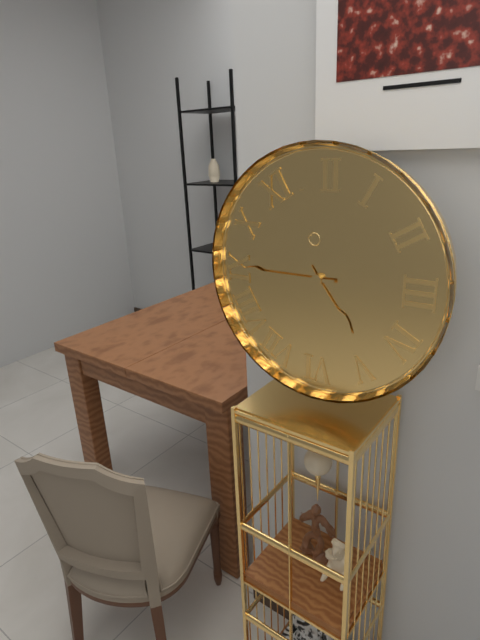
{"hour": 4, "minute": 45}
